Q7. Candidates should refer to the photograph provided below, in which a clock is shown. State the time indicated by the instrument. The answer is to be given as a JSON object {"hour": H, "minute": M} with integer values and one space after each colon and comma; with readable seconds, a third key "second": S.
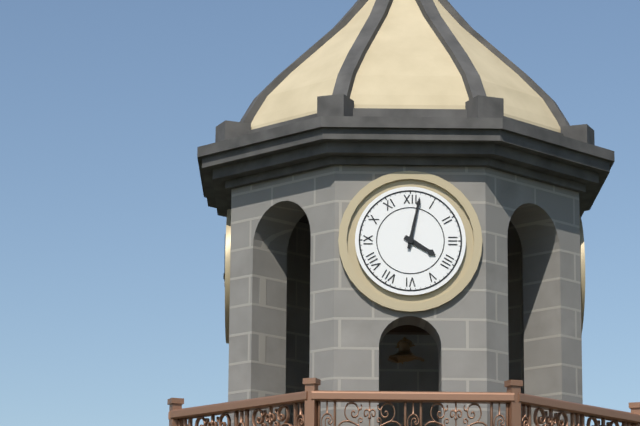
{"hour": 4, "minute": 2}
